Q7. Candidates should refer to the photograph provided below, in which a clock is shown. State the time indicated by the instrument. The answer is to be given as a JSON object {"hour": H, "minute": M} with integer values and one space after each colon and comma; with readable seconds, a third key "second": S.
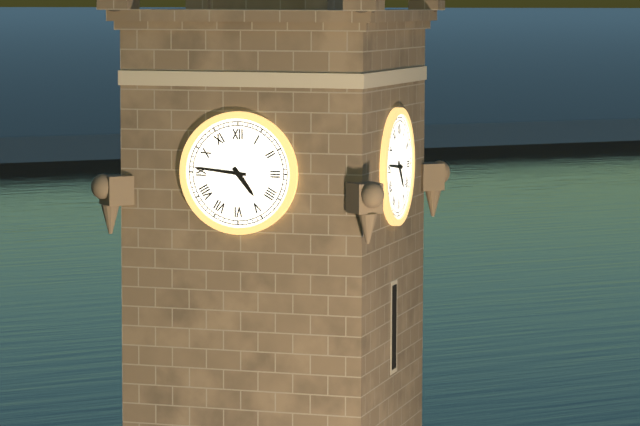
{"hour": 4, "minute": 46}
